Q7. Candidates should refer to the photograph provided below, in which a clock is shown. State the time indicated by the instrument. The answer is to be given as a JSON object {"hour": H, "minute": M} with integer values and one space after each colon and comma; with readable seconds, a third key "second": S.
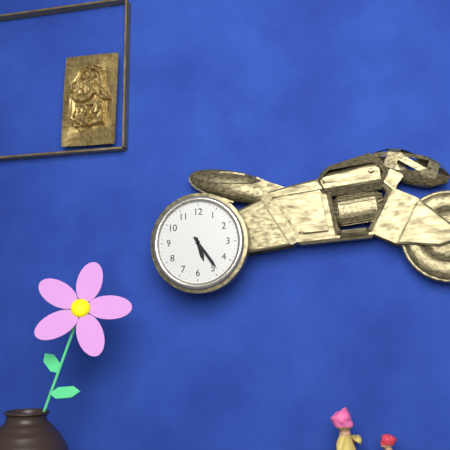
{"hour": 5, "minute": 24}
